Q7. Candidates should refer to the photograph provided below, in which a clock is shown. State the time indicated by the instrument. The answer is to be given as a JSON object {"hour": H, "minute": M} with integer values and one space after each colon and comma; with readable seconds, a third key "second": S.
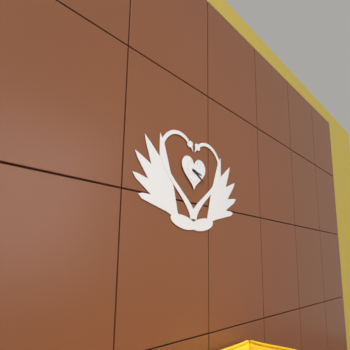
{"hour": 3, "minute": 20}
